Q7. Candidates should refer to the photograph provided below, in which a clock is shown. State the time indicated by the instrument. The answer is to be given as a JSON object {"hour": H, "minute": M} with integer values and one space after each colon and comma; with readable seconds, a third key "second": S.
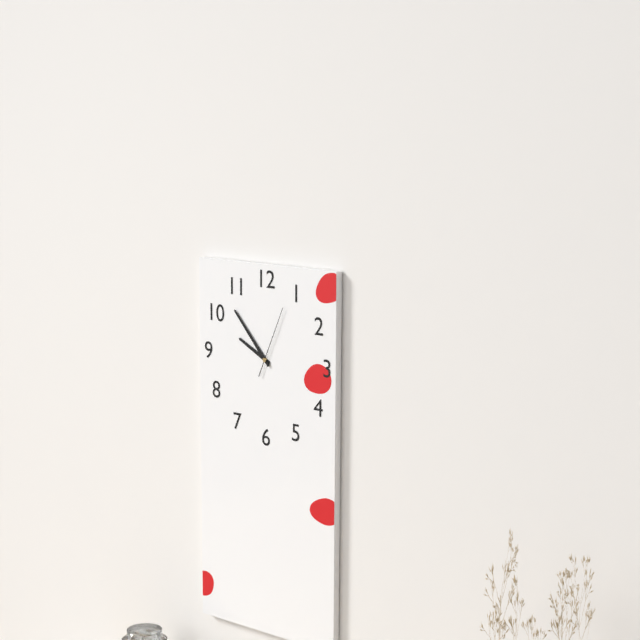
{"hour": 9, "minute": 53, "second": 4}
